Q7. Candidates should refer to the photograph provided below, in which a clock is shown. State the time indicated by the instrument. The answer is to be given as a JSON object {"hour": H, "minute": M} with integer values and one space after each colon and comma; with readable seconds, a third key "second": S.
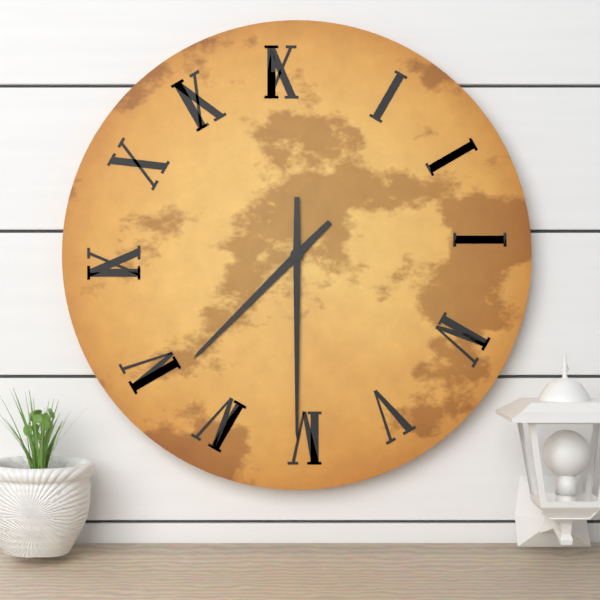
{"hour": 7, "minute": 30}
